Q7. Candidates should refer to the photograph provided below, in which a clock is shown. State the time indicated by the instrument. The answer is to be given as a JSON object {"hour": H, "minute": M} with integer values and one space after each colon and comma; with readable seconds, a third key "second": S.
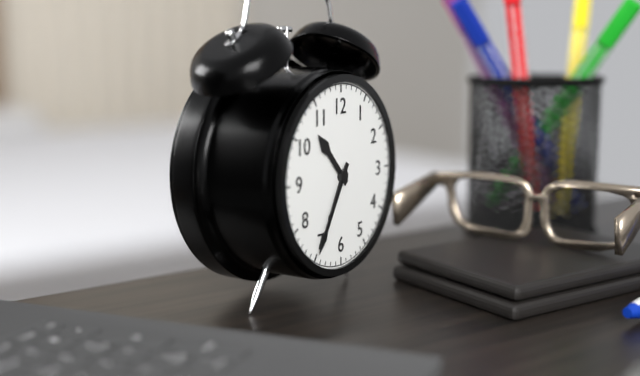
{"hour": 10, "minute": 35}
